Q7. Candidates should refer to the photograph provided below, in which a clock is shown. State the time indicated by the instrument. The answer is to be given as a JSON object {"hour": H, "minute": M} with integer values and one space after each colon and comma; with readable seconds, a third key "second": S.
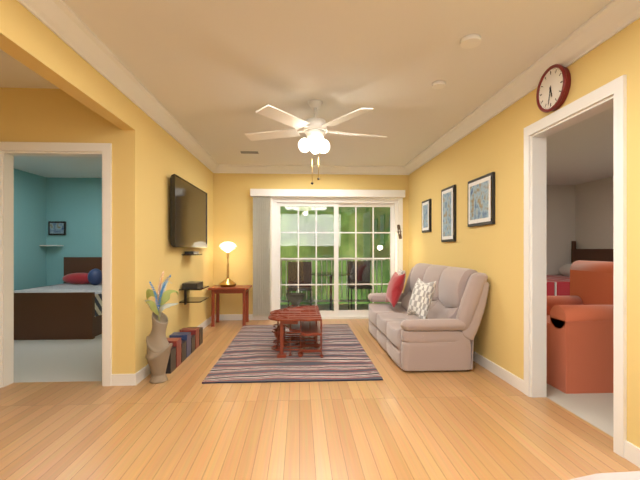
{"hour": 5, "minute": 32}
